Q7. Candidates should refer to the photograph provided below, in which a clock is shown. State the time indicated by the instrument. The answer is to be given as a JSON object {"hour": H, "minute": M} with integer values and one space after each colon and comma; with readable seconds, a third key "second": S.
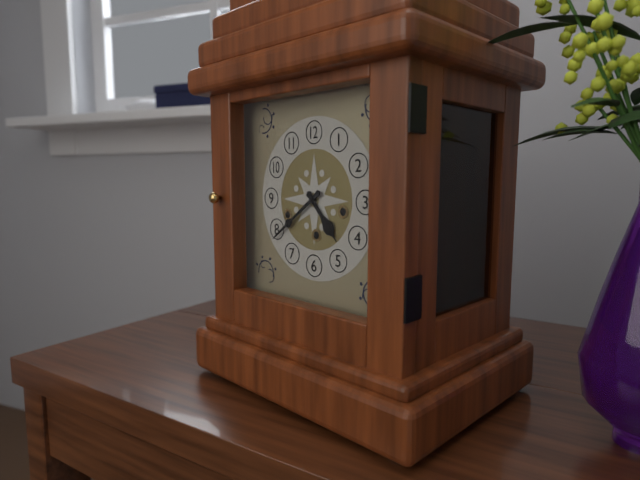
{"hour": 4, "minute": 39}
